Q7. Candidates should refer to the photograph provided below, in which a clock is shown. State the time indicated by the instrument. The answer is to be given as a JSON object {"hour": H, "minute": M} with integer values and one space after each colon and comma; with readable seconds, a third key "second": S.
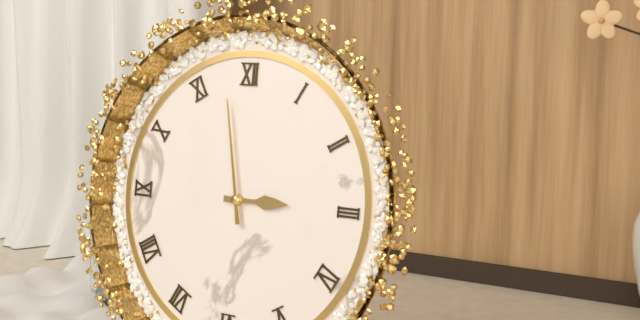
{"hour": 2, "minute": 58}
